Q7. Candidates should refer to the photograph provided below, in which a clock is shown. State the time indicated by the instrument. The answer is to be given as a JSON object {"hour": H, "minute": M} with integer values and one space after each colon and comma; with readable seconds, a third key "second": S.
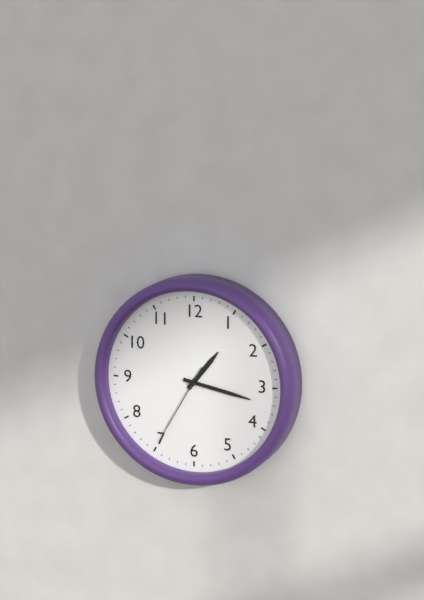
{"hour": 1, "minute": 17, "second": 35}
